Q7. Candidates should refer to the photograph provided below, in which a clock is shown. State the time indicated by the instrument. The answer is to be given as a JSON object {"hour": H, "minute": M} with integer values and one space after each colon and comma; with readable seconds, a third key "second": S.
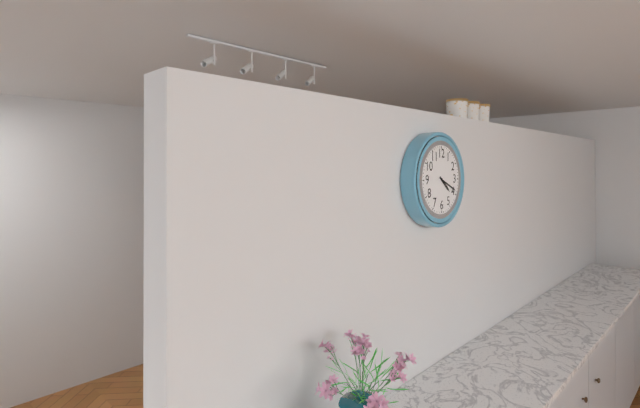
{"hour": 4, "minute": 19}
